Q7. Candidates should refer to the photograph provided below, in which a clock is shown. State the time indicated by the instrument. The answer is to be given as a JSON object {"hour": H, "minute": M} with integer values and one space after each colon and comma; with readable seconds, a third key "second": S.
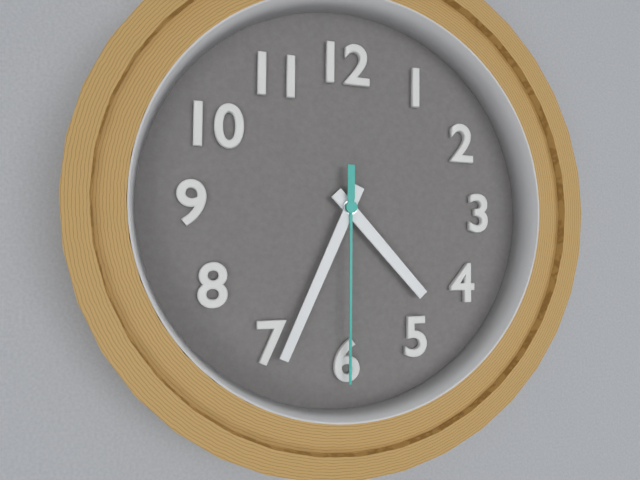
{"hour": 4, "minute": 34, "second": 30}
